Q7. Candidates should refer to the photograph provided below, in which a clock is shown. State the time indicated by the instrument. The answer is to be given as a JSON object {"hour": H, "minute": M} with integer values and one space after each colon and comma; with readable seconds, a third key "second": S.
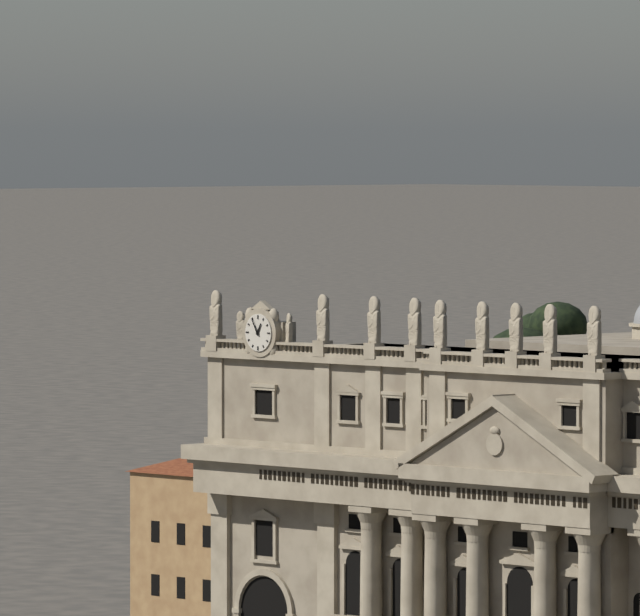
{"hour": 12, "minute": 55}
